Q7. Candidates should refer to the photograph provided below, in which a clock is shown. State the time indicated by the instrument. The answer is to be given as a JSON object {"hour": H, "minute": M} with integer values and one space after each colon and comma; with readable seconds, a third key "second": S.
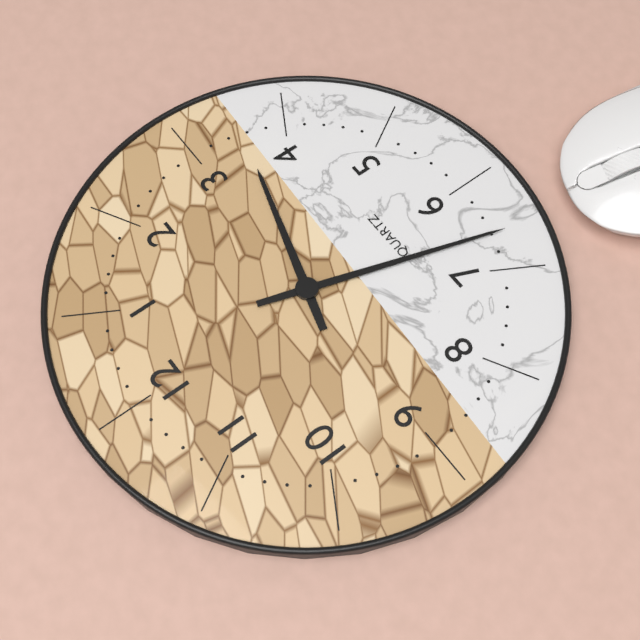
{"hour": 3, "minute": 33}
